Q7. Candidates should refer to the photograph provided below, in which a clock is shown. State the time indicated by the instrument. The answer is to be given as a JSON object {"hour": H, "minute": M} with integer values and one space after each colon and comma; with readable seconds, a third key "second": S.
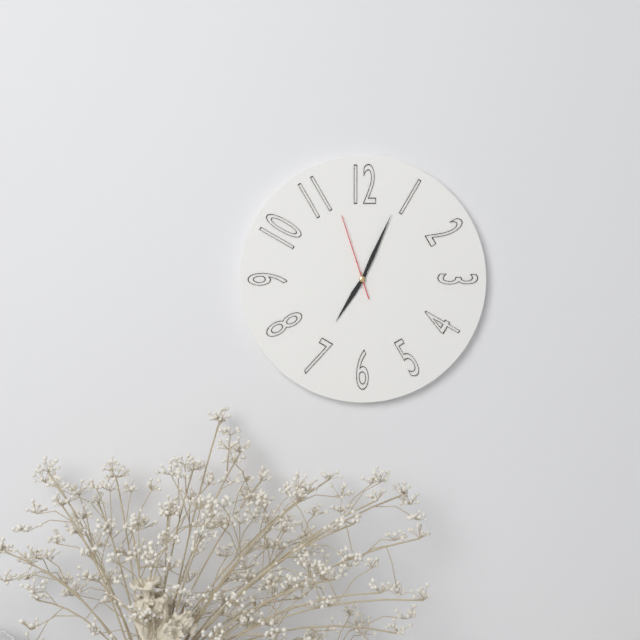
{"hour": 7, "minute": 4, "second": 57}
